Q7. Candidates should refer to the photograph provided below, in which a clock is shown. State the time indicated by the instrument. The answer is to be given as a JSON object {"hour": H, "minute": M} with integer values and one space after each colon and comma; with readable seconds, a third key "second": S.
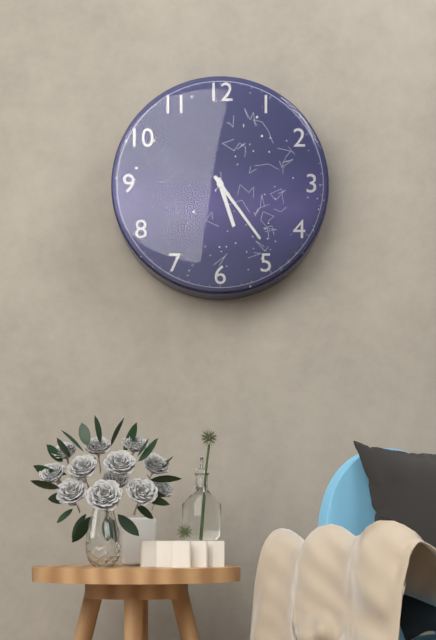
{"hour": 5, "minute": 24}
